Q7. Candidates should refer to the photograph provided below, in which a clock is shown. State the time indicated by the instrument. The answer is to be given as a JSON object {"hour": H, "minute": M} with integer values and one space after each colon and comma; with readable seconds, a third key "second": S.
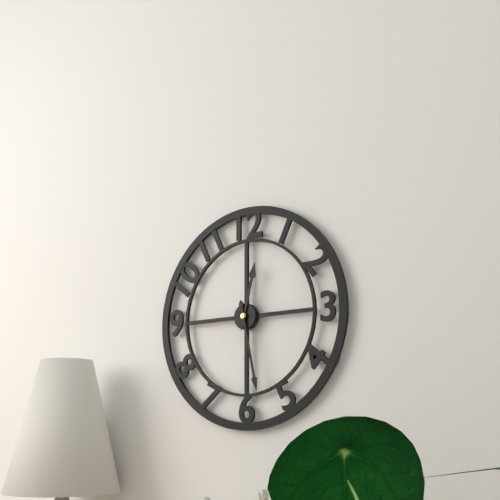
{"hour": 12, "minute": 28}
